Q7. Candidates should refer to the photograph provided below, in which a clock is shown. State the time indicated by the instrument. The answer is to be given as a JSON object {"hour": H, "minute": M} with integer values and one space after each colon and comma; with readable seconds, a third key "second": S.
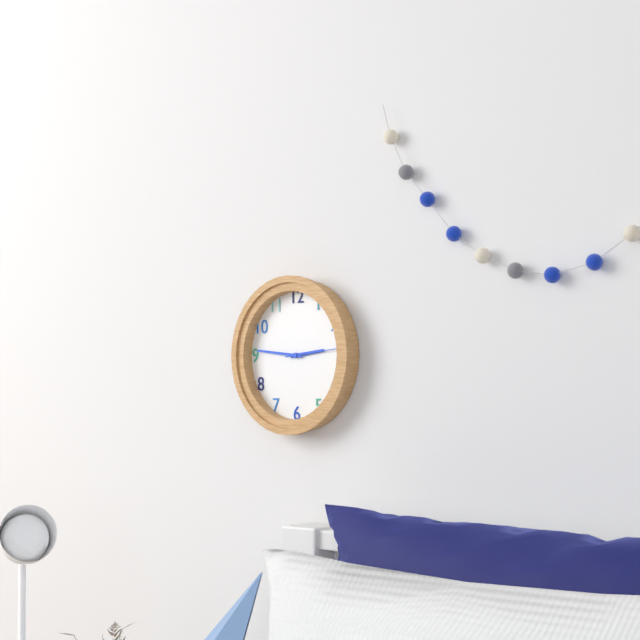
{"hour": 2, "minute": 46, "second": 14}
